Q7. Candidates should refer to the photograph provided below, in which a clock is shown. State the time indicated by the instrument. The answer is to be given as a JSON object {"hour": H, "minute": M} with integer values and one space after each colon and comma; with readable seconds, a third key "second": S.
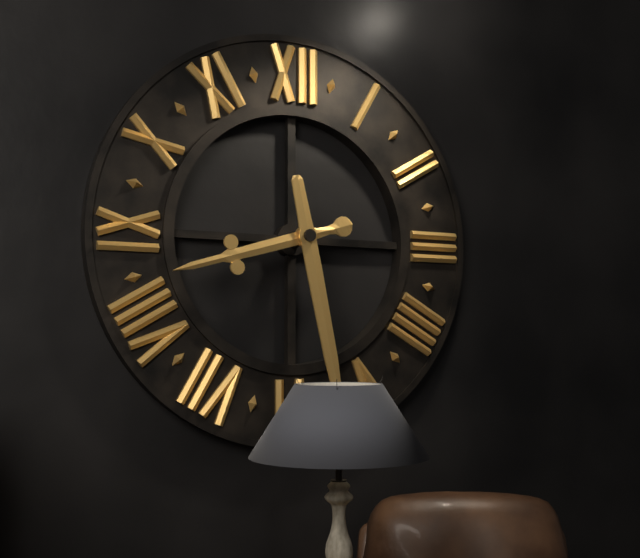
{"hour": 8, "minute": 28}
